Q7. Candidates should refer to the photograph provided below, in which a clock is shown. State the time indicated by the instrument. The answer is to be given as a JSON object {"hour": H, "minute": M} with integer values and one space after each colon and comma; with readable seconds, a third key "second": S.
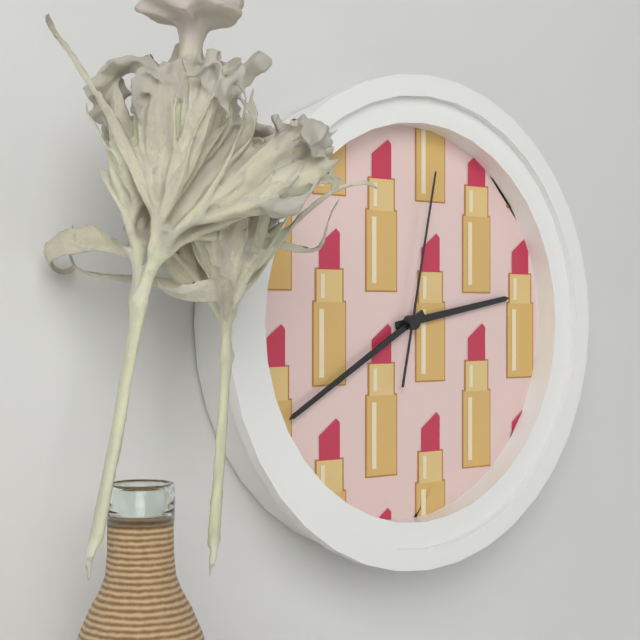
{"hour": 2, "minute": 40, "second": 2}
